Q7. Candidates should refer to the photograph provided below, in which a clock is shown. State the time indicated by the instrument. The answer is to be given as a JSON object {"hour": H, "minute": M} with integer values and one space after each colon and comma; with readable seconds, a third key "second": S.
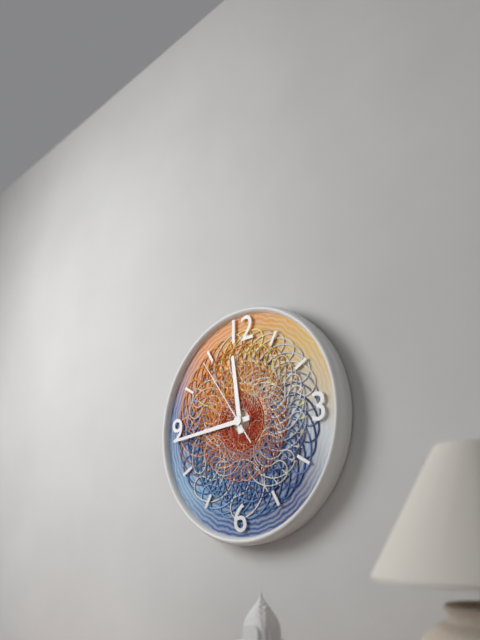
{"hour": 11, "minute": 44, "second": 54}
